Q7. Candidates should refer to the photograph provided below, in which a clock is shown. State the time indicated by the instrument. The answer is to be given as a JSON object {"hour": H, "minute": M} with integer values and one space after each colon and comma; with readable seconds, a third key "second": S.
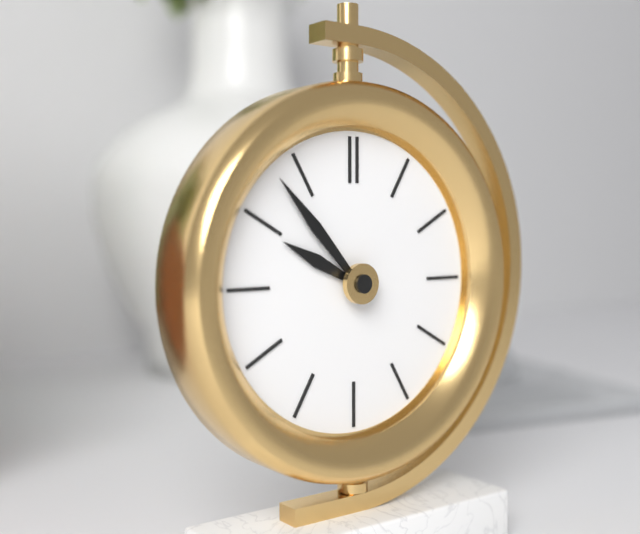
{"hour": 9, "minute": 53}
